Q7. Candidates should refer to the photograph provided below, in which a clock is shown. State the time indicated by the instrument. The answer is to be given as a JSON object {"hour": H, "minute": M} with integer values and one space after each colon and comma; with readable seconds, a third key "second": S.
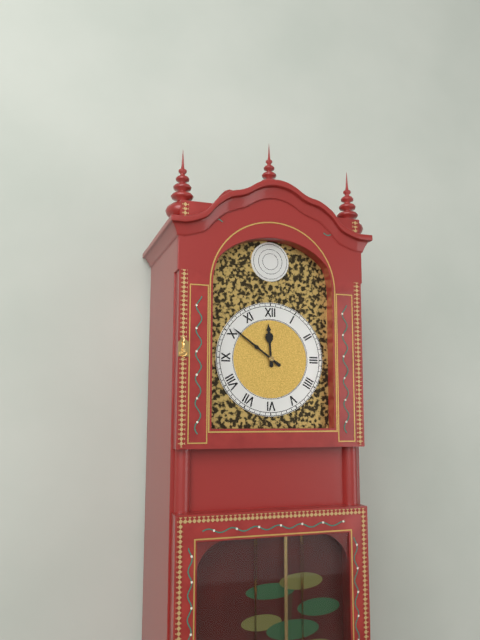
{"hour": 11, "minute": 51}
